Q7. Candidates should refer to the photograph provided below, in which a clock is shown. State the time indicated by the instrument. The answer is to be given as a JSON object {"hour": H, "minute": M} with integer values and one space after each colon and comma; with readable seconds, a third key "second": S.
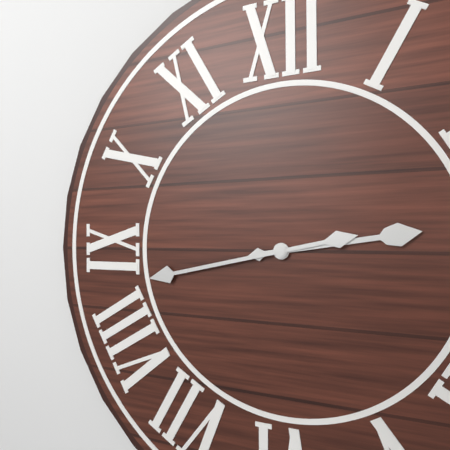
{"hour": 2, "minute": 43}
